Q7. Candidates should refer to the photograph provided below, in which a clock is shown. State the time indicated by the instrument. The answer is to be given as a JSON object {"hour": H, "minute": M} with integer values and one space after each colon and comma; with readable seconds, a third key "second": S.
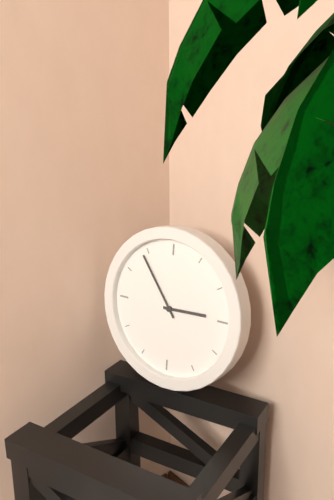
{"hour": 2, "minute": 54}
